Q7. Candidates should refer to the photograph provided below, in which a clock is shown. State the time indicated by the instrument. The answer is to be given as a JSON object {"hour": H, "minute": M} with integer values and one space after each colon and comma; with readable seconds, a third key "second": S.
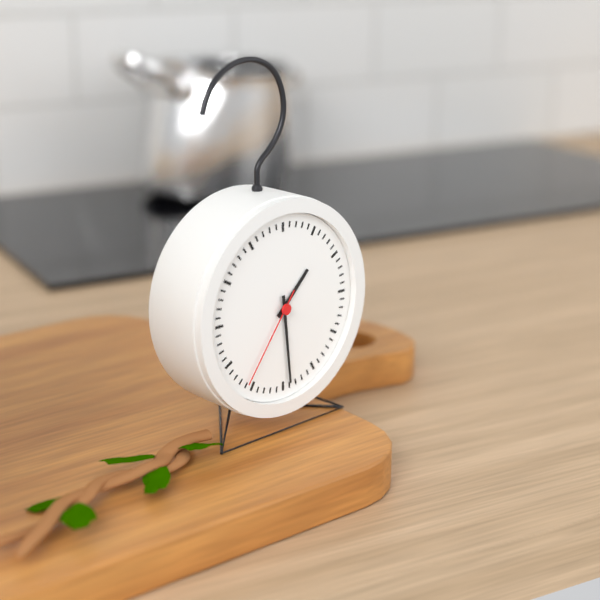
{"hour": 1, "minute": 29, "second": 36}
